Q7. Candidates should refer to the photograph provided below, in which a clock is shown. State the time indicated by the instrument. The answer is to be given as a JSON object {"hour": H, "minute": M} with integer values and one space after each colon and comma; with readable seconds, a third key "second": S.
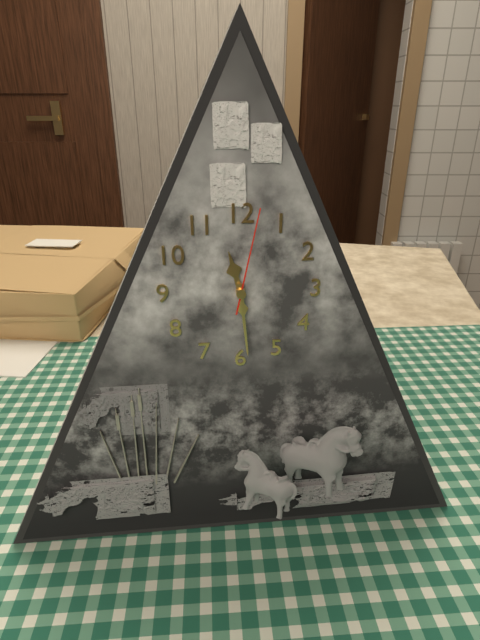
{"hour": 11, "minute": 29, "second": 2}
